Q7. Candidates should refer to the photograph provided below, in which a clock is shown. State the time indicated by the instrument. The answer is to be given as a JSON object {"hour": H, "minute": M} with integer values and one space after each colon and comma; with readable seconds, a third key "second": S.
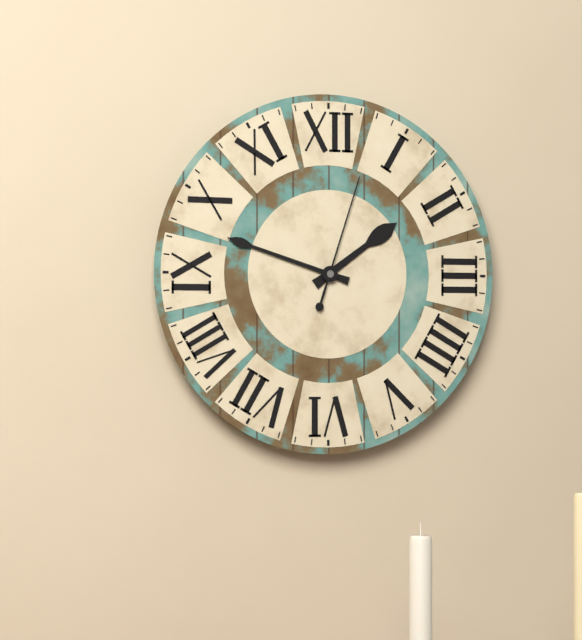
{"hour": 1, "minute": 48, "second": 3}
